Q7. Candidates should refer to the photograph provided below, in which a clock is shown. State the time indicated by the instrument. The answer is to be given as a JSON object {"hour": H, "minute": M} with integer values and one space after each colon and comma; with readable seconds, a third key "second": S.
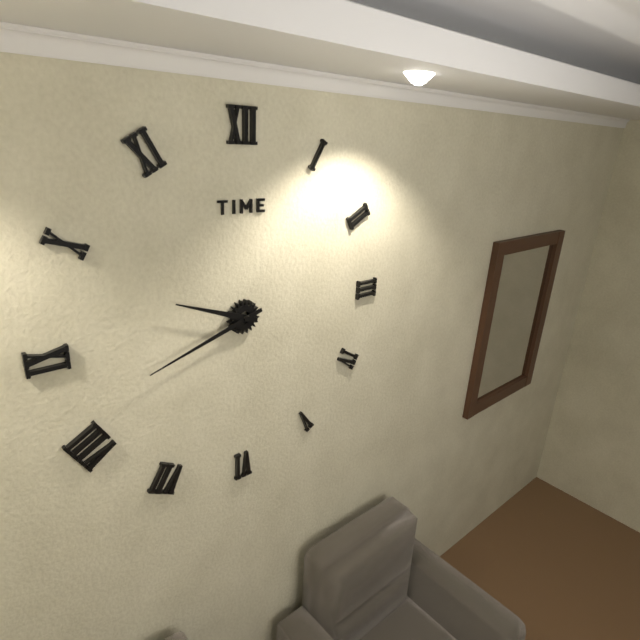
{"hour": 9, "minute": 42}
